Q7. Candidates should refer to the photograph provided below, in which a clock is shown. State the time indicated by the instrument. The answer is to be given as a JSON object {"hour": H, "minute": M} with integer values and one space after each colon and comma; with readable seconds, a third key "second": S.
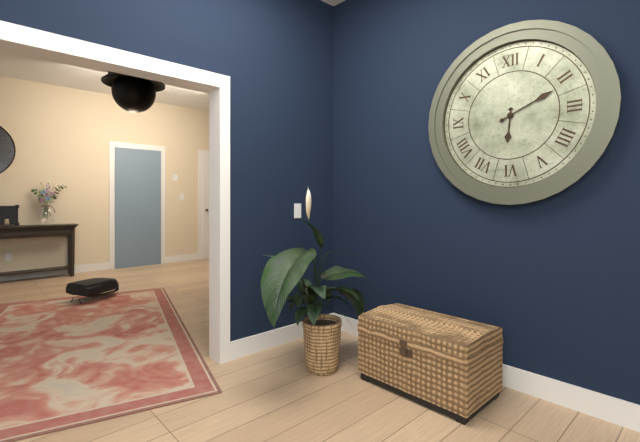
{"hour": 6, "minute": 11}
